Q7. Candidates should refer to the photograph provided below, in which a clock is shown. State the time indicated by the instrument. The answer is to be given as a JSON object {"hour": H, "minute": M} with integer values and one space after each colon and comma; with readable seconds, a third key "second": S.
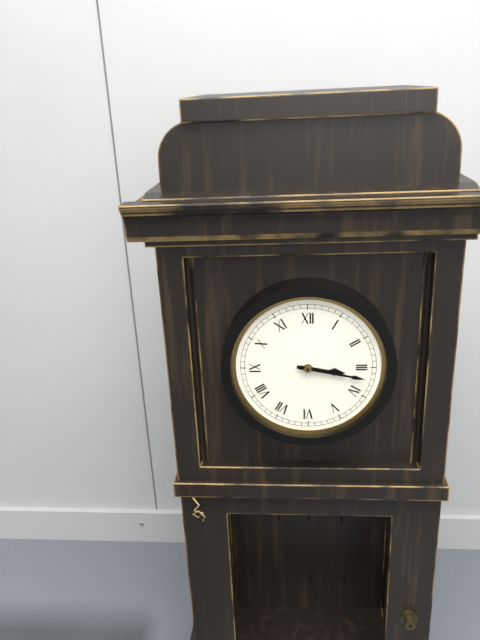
{"hour": 3, "minute": 17}
